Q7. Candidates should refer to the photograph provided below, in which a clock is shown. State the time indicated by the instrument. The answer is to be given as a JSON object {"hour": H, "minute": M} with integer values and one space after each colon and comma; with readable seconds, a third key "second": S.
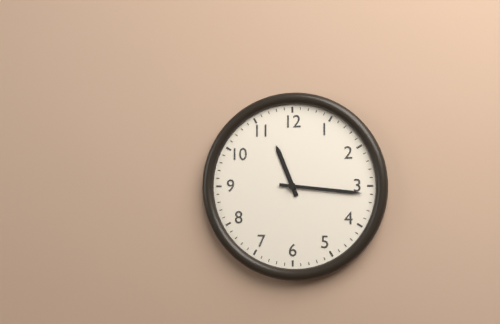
{"hour": 11, "minute": 16}
